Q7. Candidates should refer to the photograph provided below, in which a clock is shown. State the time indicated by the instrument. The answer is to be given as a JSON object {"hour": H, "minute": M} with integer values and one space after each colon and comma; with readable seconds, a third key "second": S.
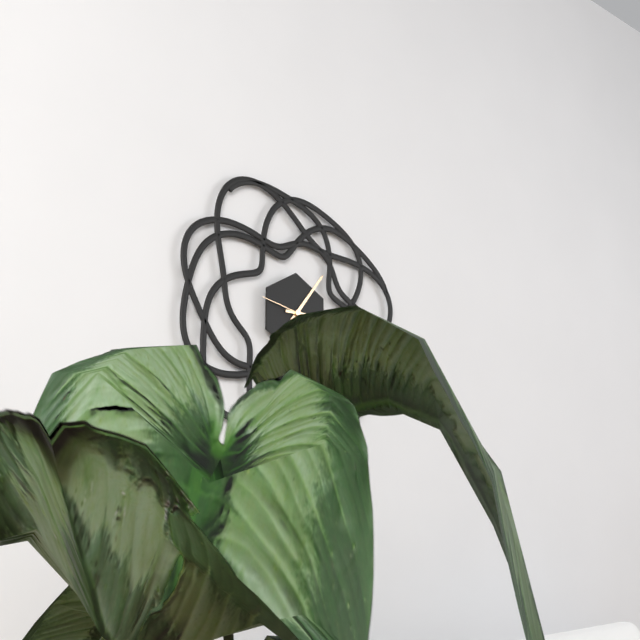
{"hour": 1, "minute": 15}
